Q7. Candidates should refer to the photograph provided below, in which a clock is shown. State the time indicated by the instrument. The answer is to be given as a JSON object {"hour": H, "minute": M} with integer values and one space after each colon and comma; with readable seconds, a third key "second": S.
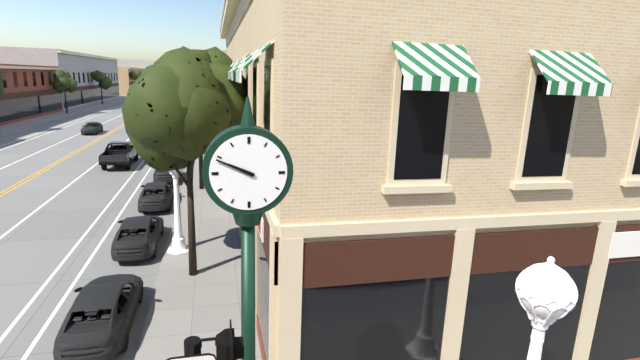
{"hour": 9, "minute": 49}
